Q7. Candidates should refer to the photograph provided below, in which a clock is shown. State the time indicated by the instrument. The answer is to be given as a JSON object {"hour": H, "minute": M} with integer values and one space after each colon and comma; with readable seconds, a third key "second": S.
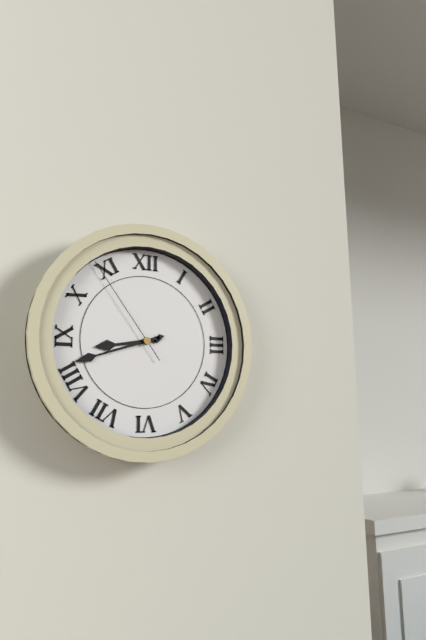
{"hour": 8, "minute": 42, "second": 54}
